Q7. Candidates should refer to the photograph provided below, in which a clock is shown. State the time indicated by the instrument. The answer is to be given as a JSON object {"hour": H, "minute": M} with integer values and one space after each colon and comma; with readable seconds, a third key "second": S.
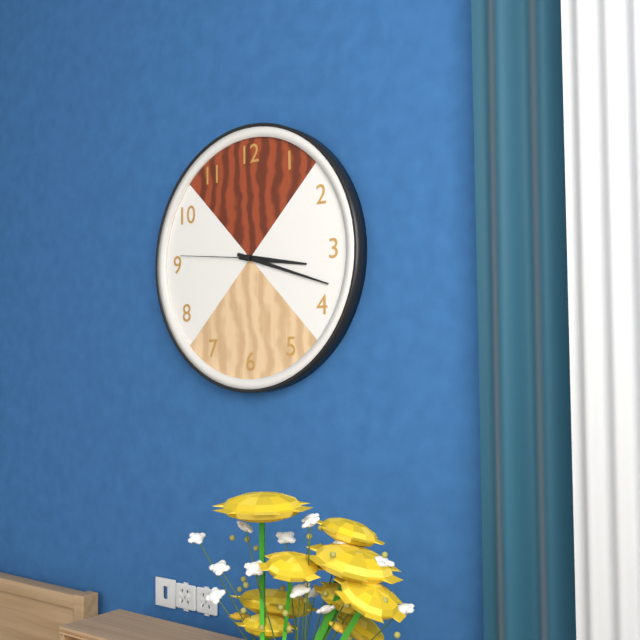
{"hour": 3, "minute": 18, "second": 46}
